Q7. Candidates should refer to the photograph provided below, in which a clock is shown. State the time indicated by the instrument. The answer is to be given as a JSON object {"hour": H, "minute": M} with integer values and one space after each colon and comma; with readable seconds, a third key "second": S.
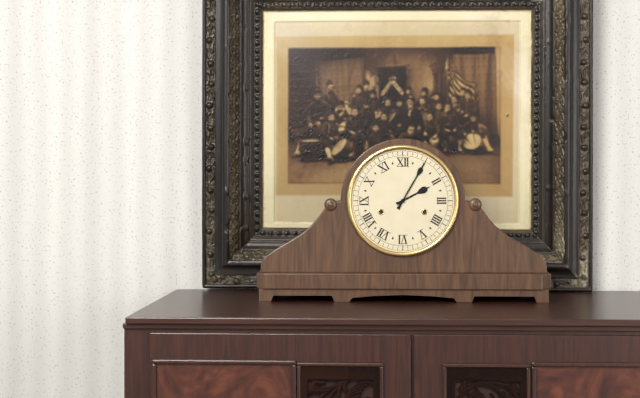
{"hour": 2, "minute": 5}
